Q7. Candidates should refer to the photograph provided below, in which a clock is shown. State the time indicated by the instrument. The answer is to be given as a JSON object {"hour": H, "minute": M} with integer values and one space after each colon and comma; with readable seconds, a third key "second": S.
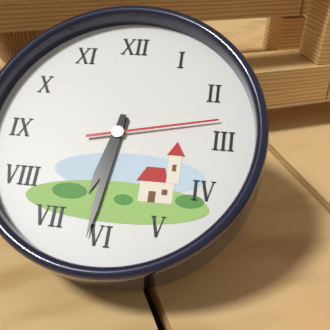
{"hour": 6, "minute": 31, "second": 13}
